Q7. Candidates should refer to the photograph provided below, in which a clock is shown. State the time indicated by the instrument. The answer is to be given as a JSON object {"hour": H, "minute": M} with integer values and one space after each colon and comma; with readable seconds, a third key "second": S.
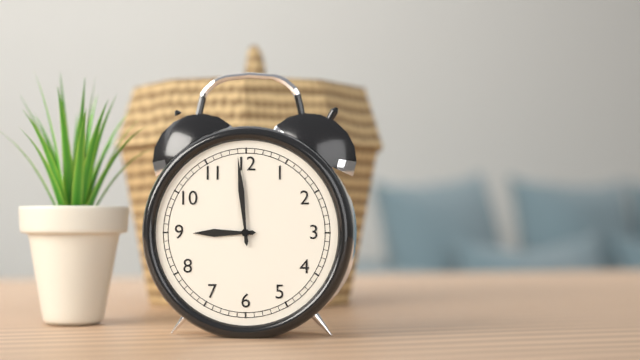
{"hour": 8, "minute": 59}
